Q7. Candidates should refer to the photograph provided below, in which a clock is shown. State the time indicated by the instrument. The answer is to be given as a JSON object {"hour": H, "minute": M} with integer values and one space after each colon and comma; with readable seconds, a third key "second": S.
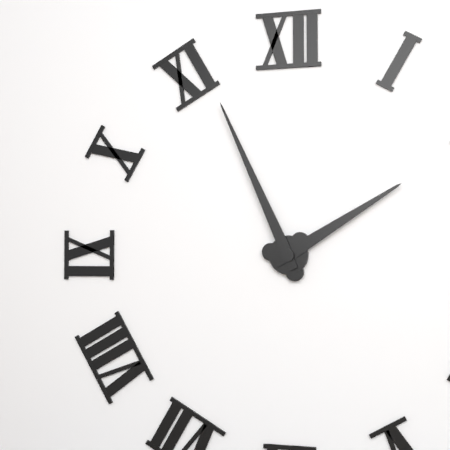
{"hour": 1, "minute": 56}
